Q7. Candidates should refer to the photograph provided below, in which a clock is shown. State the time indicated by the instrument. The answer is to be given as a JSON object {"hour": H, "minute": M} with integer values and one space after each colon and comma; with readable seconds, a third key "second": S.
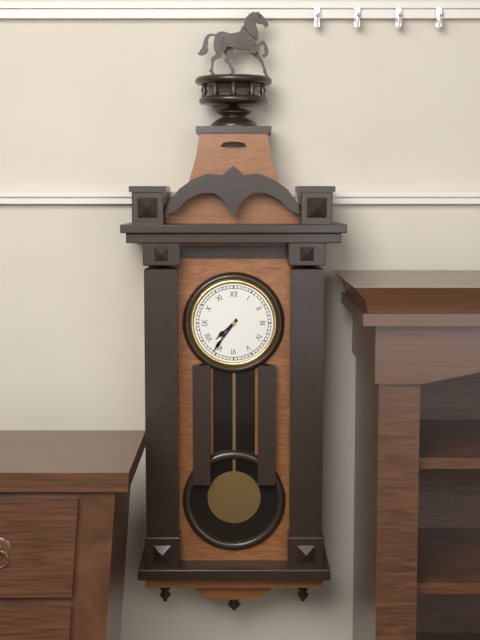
{"hour": 7, "minute": 36}
